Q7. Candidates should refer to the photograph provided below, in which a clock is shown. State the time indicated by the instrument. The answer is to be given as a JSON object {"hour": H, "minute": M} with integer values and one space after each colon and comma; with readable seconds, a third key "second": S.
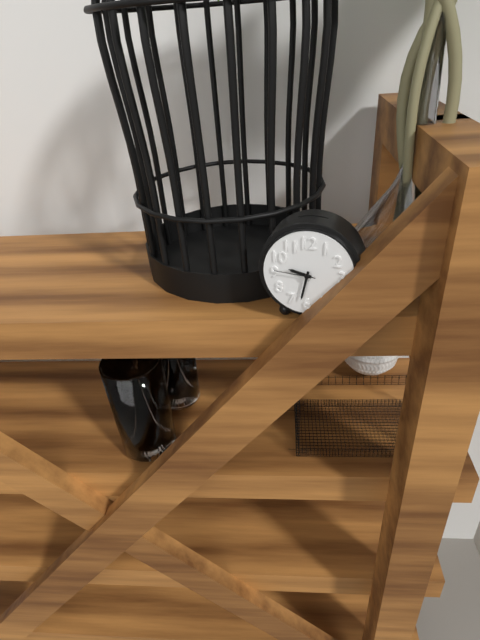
{"hour": 9, "minute": 32}
